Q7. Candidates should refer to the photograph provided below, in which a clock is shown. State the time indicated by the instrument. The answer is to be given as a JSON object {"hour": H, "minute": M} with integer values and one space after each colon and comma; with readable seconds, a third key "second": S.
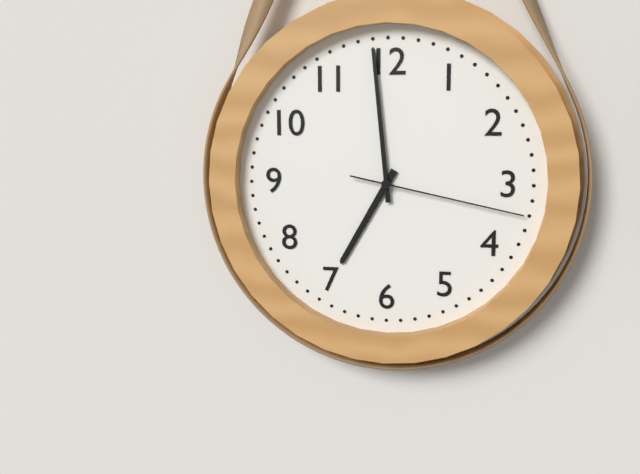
{"hour": 6, "minute": 59, "second": 17}
